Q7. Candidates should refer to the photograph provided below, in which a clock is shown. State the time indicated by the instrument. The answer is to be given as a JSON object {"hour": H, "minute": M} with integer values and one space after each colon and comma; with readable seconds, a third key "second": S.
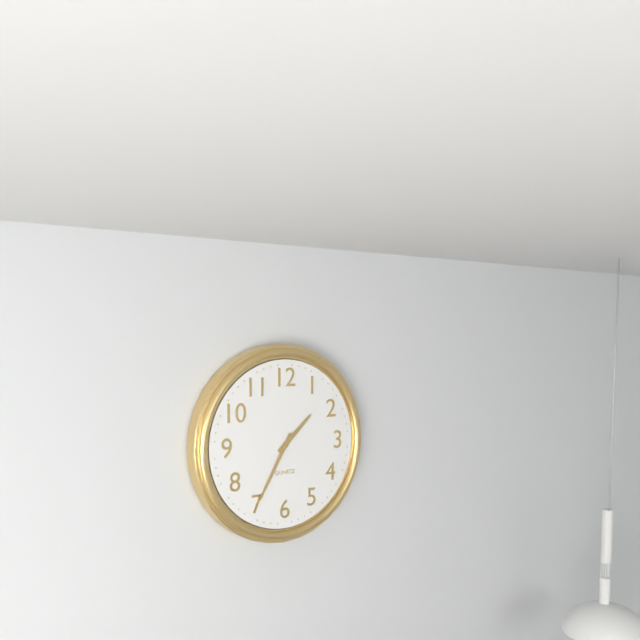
{"hour": 1, "minute": 35}
